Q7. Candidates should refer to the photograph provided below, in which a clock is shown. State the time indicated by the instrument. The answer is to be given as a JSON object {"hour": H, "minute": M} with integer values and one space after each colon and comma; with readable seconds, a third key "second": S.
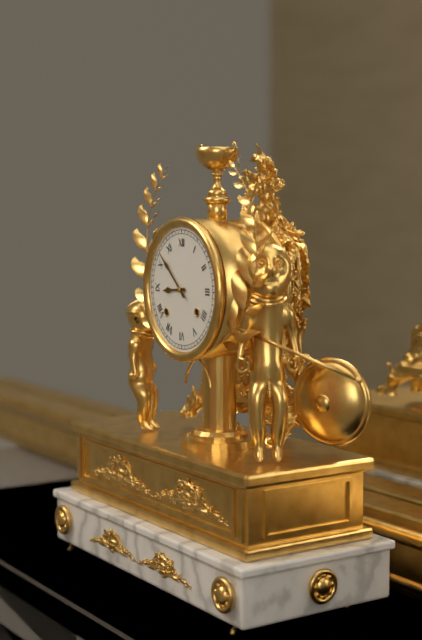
{"hour": 8, "minute": 52}
